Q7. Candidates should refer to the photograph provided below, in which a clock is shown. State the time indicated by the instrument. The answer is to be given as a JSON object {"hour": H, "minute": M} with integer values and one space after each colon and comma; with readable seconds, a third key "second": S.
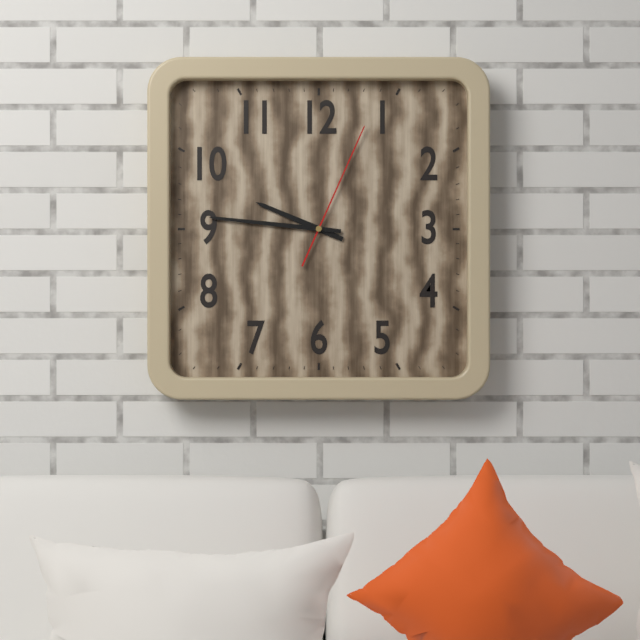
{"hour": 9, "minute": 46, "second": 4}
